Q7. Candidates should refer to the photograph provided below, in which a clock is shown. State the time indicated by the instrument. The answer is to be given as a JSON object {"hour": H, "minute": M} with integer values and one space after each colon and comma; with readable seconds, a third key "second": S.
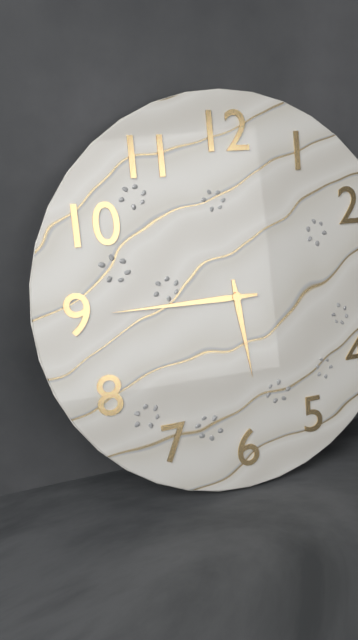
{"hour": 5, "minute": 45}
